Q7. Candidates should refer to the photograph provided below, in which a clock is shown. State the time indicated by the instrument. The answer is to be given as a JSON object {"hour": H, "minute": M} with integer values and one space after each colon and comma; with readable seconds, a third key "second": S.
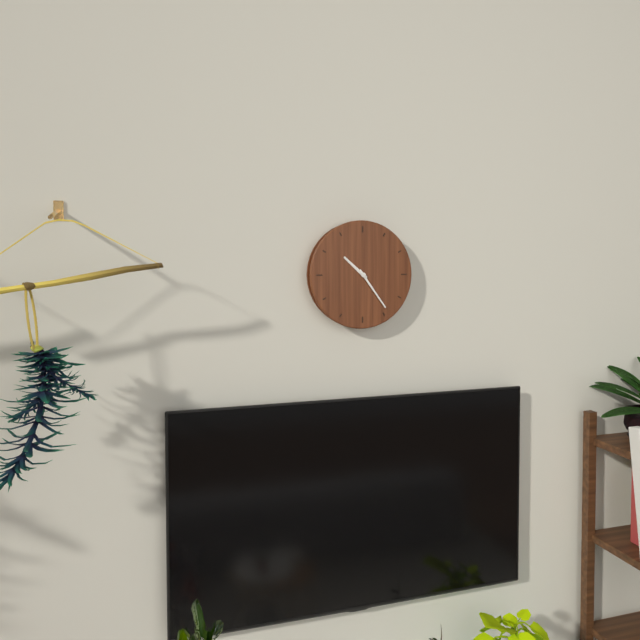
{"hour": 10, "minute": 24}
